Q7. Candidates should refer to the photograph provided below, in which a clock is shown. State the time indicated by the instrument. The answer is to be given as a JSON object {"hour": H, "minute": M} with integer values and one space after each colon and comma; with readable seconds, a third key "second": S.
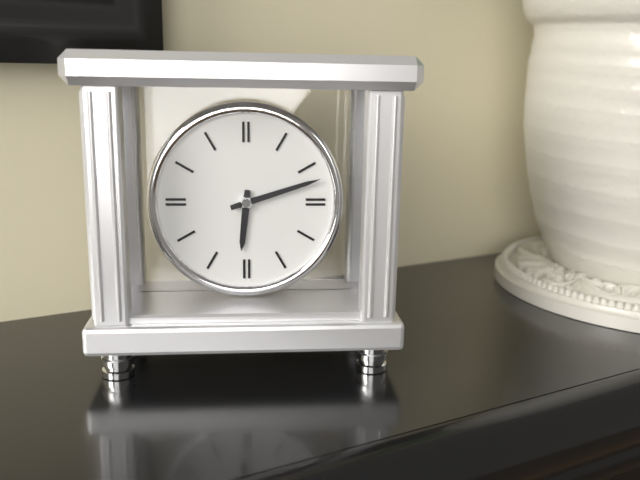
{"hour": 6, "minute": 12}
